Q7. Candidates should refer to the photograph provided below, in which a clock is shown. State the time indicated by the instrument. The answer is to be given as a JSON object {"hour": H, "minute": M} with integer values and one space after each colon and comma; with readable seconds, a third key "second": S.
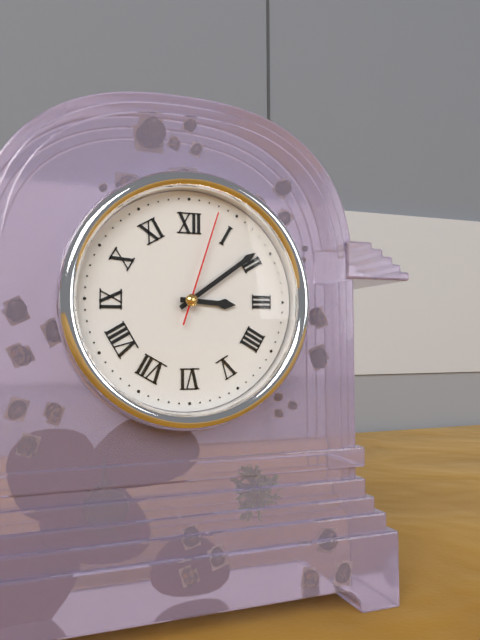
{"hour": 3, "minute": 9, "second": 3}
